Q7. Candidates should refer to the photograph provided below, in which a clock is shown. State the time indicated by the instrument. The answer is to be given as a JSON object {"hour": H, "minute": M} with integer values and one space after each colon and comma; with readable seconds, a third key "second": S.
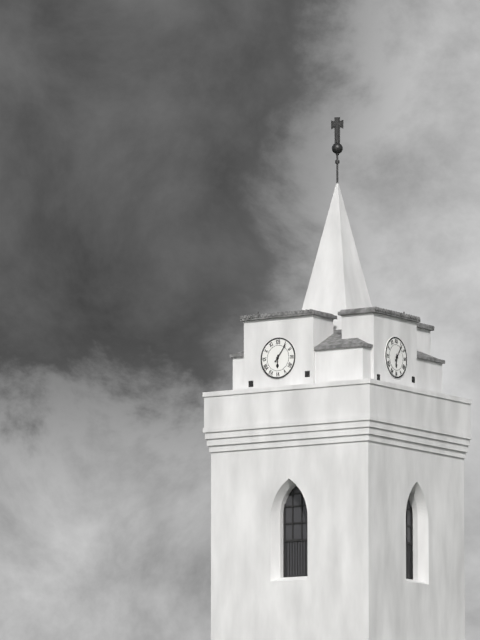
{"hour": 6, "minute": 6}
